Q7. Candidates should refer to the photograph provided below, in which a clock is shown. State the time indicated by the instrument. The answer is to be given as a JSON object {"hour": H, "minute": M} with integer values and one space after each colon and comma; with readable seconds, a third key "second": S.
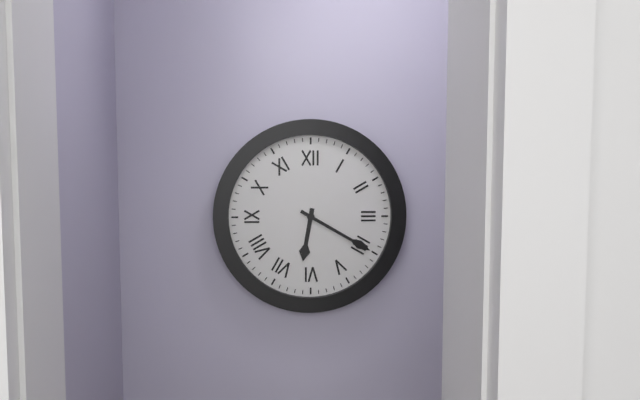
{"hour": 6, "minute": 20}
